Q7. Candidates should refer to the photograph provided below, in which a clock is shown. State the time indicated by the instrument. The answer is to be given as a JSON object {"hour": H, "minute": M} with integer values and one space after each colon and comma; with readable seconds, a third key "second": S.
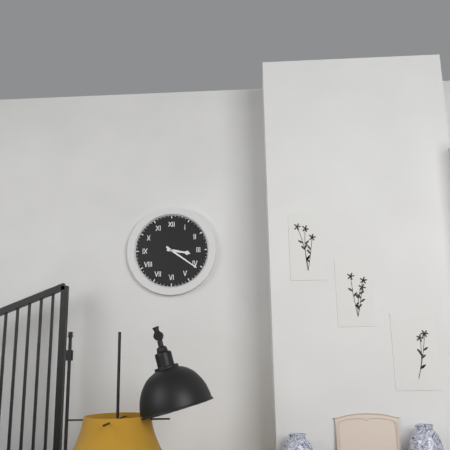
{"hour": 3, "minute": 21}
